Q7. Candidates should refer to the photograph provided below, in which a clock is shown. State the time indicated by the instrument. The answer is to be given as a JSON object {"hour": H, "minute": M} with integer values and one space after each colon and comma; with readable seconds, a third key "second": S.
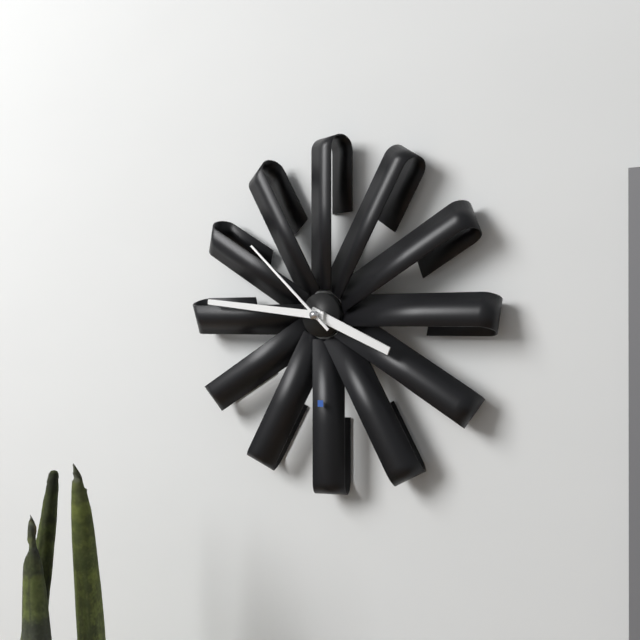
{"hour": 3, "minute": 46, "second": 52}
